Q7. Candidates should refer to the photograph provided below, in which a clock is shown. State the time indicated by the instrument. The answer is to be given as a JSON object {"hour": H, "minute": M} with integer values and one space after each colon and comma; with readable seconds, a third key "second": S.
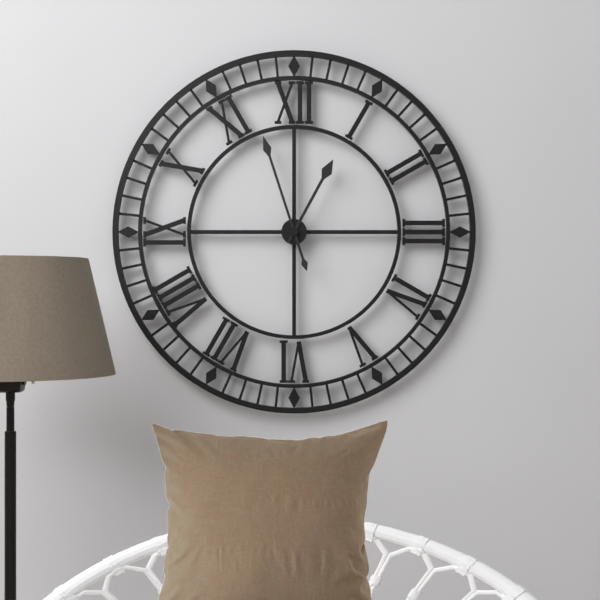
{"hour": 12, "minute": 57}
